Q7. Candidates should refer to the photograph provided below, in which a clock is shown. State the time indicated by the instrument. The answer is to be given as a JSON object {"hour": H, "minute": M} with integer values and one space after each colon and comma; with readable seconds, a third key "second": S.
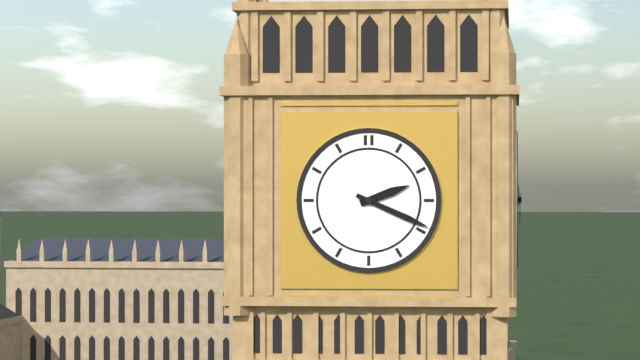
{"hour": 2, "minute": 19}
